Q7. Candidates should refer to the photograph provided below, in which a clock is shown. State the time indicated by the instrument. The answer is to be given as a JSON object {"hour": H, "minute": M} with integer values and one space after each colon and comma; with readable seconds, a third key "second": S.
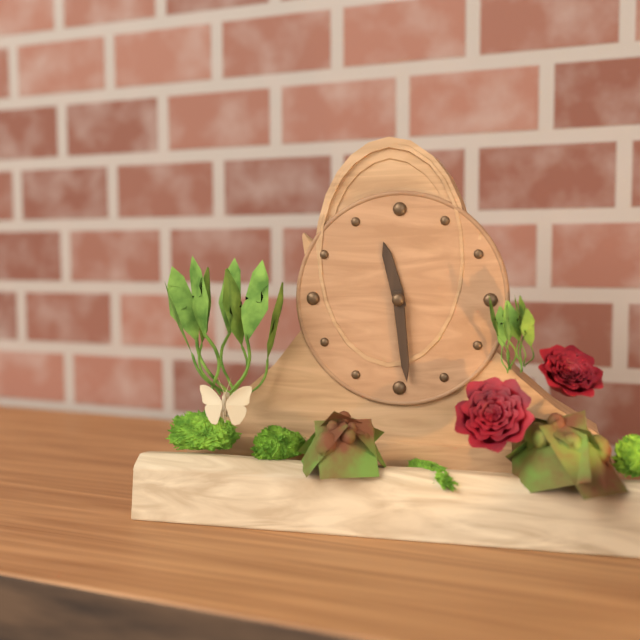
{"hour": 11, "minute": 29}
